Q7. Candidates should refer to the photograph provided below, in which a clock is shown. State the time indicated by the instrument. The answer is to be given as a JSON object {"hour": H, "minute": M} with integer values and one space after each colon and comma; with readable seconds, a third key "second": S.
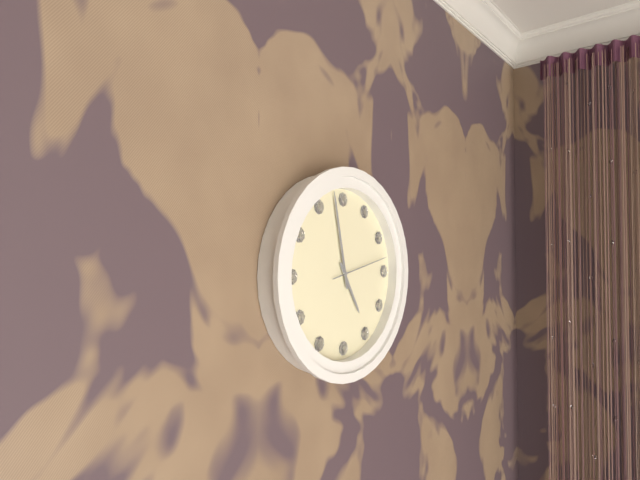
{"hour": 4, "minute": 58, "second": 13}
